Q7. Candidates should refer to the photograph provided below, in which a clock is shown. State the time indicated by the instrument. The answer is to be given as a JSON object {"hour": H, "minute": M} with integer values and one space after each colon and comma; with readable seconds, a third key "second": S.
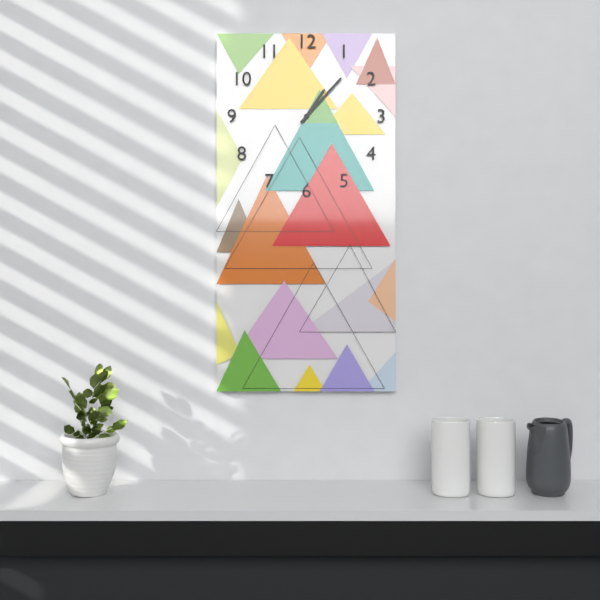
{"hour": 1, "minute": 7}
